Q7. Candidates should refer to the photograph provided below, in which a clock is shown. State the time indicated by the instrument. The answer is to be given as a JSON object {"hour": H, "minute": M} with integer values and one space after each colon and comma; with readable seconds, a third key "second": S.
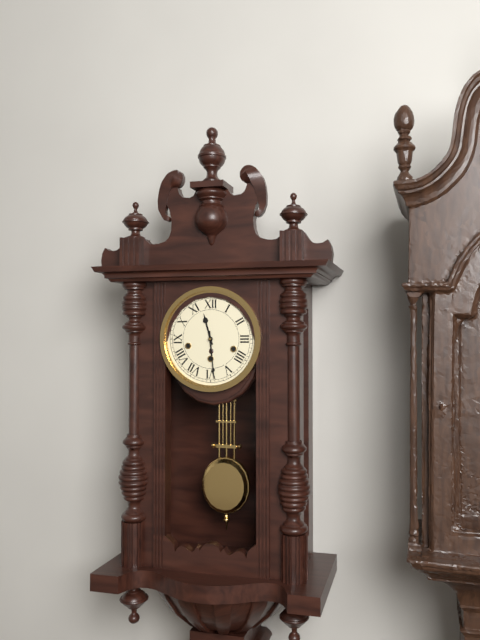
{"hour": 11, "minute": 29}
